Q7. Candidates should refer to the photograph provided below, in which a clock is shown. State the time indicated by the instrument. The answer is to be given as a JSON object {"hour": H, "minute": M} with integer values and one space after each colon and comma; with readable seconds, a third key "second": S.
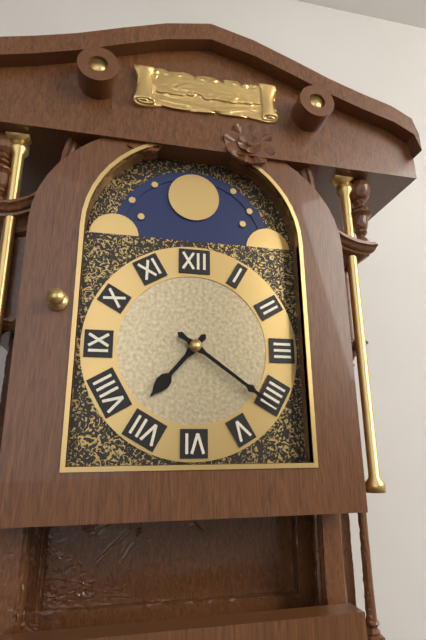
{"hour": 7, "minute": 21}
